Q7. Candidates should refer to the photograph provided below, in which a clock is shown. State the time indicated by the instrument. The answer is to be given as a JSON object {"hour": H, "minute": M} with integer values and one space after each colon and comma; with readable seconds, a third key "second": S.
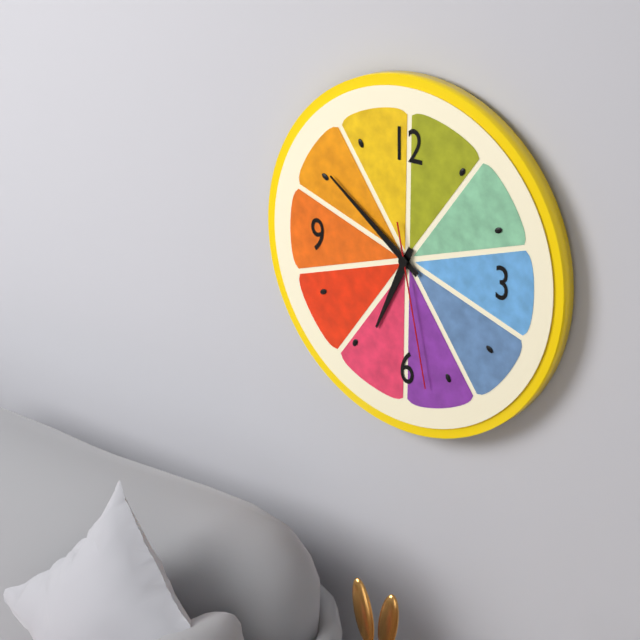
{"hour": 6, "minute": 51, "second": 28}
